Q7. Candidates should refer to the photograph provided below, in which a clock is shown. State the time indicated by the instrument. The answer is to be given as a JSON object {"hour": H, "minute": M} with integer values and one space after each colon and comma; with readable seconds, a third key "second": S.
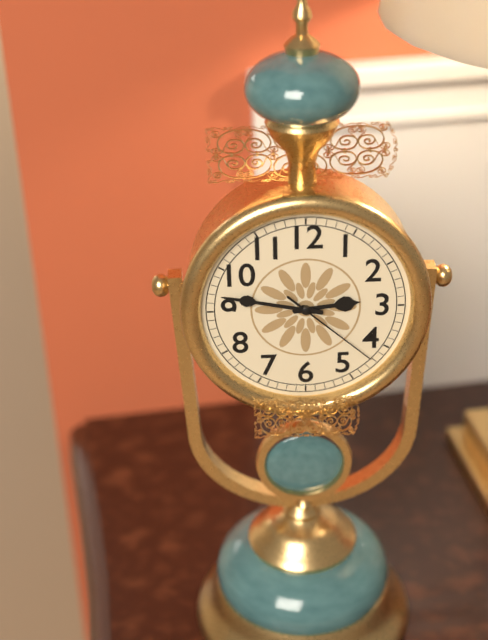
{"hour": 2, "minute": 47, "second": 22}
